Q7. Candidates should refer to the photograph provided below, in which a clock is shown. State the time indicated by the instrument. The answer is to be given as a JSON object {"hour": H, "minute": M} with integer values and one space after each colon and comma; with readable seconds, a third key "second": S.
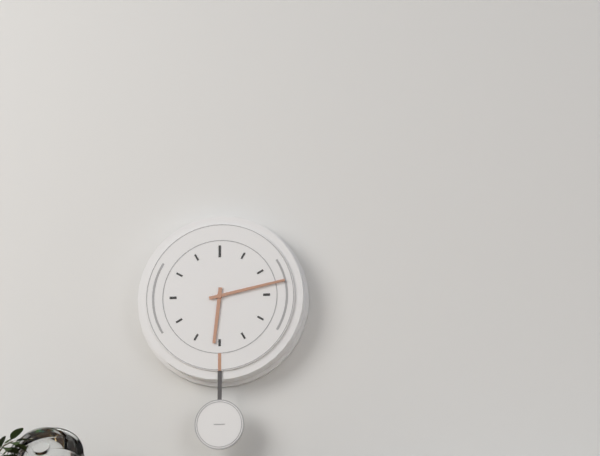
{"hour": 6, "minute": 13}
